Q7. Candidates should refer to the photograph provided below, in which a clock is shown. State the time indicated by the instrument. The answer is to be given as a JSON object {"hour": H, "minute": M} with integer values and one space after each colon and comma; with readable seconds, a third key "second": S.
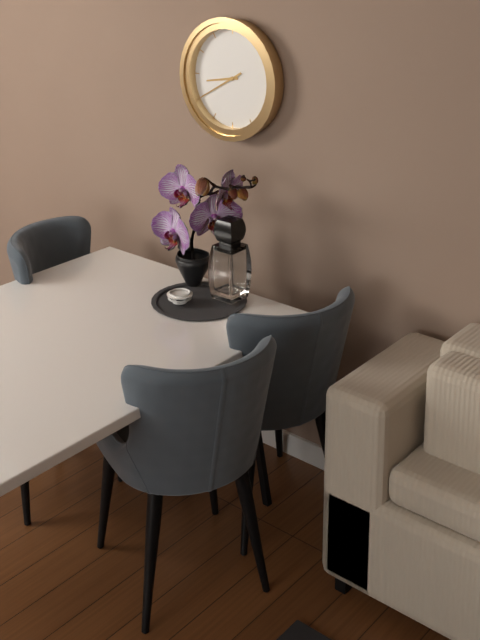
{"hour": 8, "minute": 40}
